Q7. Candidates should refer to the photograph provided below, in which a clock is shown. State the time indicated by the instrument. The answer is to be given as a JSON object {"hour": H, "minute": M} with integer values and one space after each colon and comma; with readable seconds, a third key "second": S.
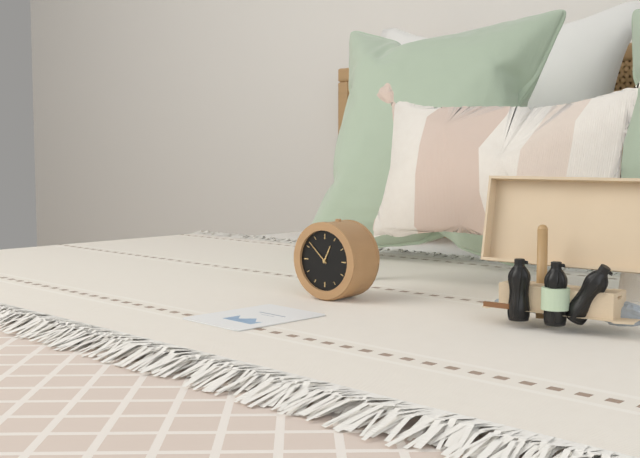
{"hour": 12, "minute": 52}
